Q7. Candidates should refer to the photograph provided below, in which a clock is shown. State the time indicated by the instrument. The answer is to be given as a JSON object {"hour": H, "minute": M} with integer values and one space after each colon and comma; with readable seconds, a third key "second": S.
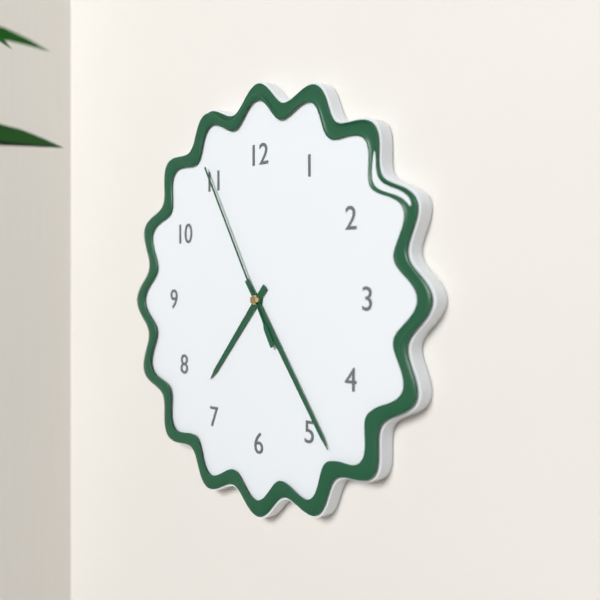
{"hour": 7, "minute": 24, "second": 55}
